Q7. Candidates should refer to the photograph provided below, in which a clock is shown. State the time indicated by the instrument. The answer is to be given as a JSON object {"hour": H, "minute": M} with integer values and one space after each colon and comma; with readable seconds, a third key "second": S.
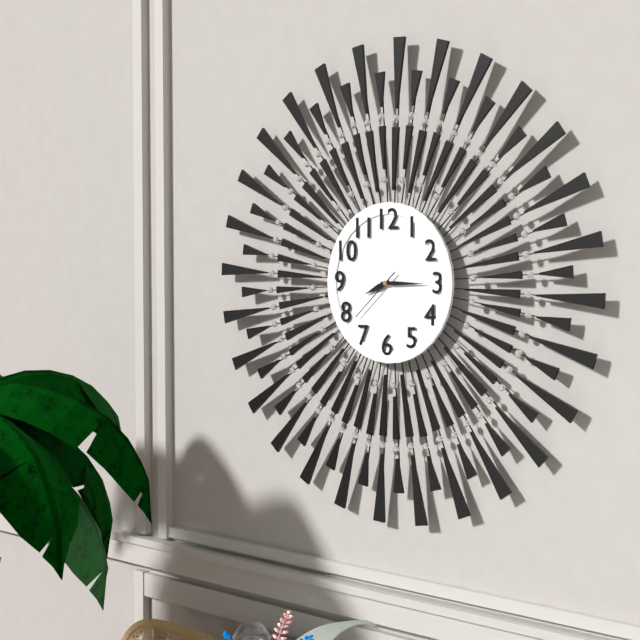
{"hour": 8, "minute": 15, "second": 38}
